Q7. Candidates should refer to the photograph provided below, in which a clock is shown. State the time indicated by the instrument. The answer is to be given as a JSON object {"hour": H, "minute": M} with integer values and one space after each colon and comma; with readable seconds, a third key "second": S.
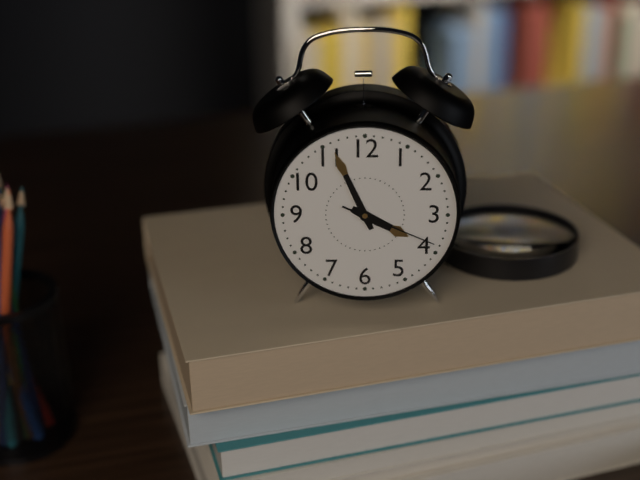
{"hour": 3, "minute": 56, "second": 19}
